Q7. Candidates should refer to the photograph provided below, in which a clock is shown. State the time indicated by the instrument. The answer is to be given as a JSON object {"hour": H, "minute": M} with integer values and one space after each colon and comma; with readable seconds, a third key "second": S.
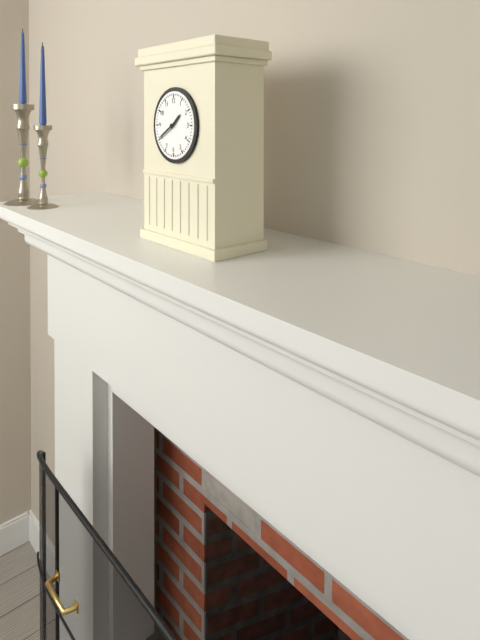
{"hour": 1, "minute": 40}
